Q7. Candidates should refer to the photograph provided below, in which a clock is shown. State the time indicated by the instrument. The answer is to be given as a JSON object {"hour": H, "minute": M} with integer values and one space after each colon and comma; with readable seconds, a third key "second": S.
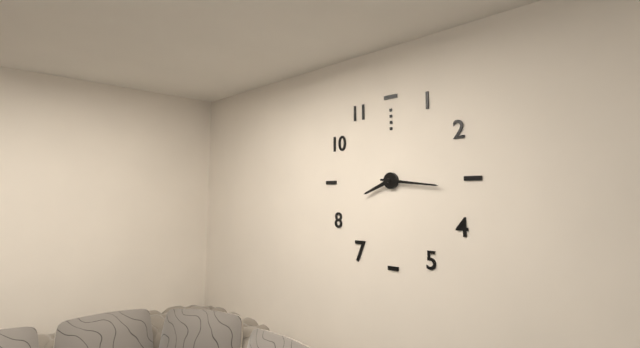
{"hour": 8, "minute": 16}
